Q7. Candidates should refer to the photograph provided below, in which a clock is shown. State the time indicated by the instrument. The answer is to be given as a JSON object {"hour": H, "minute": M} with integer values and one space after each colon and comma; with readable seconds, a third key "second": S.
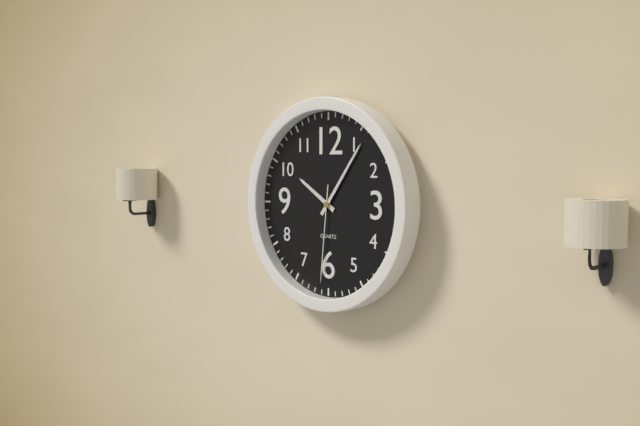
{"hour": 10, "minute": 6, "second": 31}
